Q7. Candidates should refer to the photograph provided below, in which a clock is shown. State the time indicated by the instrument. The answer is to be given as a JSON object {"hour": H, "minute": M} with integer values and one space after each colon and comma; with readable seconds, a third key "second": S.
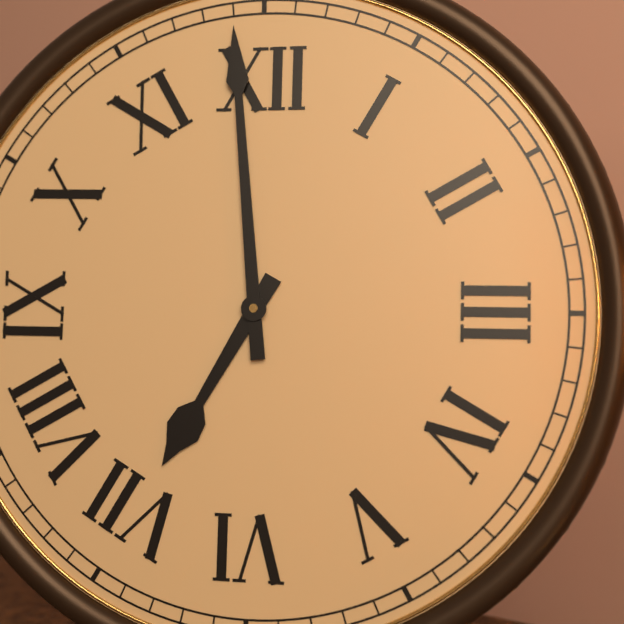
{"hour": 6, "minute": 59}
